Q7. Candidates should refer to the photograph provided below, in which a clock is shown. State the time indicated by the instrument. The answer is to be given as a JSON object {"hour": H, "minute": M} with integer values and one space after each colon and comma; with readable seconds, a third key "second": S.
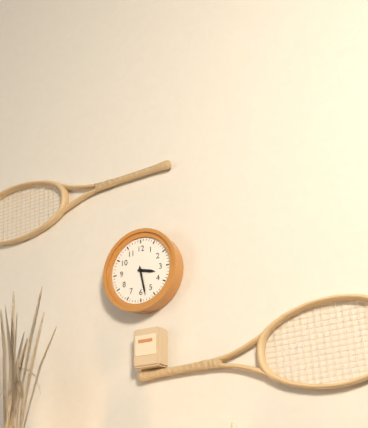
{"hour": 3, "minute": 28}
